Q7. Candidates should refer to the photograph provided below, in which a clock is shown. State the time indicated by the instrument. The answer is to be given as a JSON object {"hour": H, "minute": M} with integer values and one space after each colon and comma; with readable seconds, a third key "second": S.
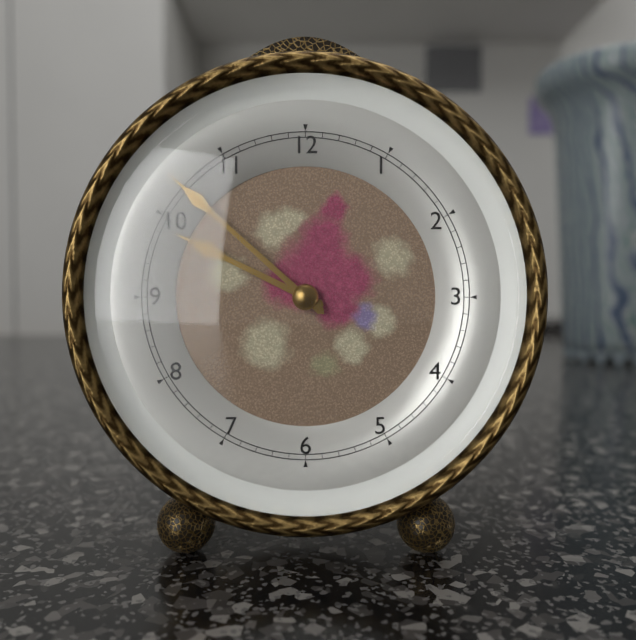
{"hour": 9, "minute": 52}
